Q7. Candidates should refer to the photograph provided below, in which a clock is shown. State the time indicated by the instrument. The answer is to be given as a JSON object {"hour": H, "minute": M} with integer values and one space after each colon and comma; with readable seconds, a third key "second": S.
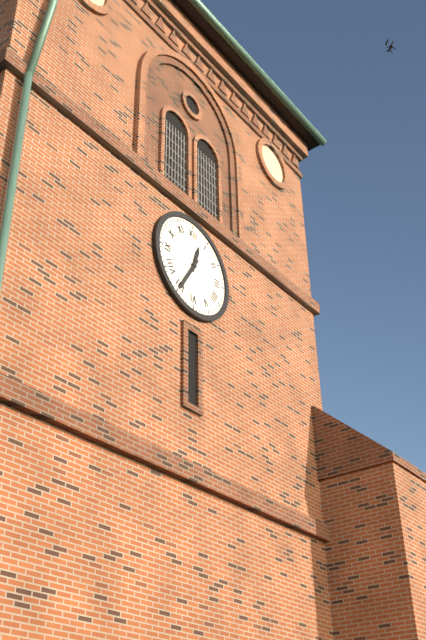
{"hour": 12, "minute": 35}
